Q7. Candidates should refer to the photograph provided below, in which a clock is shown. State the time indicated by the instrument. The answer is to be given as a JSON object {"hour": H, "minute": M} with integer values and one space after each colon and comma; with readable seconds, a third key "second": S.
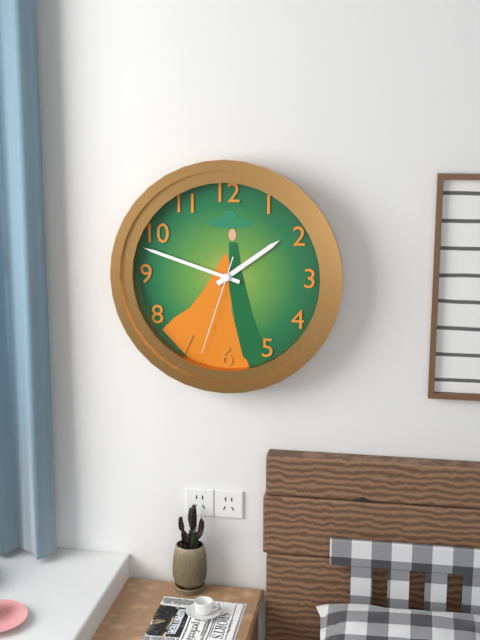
{"hour": 1, "minute": 48, "second": 33}
